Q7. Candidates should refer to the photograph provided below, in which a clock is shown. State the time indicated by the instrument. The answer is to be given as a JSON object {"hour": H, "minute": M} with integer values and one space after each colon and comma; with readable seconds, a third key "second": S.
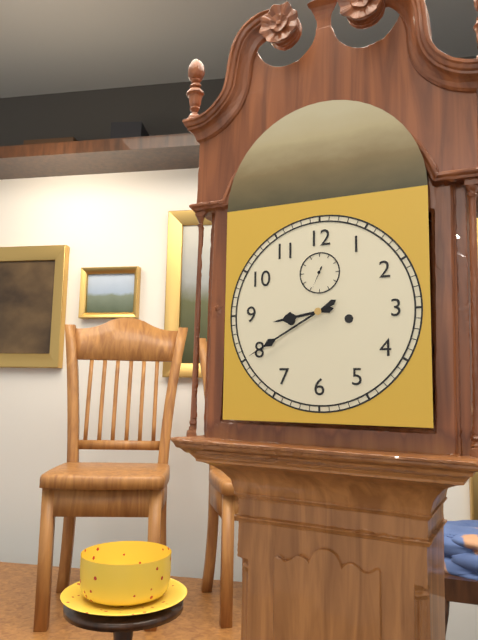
{"hour": 8, "minute": 40}
